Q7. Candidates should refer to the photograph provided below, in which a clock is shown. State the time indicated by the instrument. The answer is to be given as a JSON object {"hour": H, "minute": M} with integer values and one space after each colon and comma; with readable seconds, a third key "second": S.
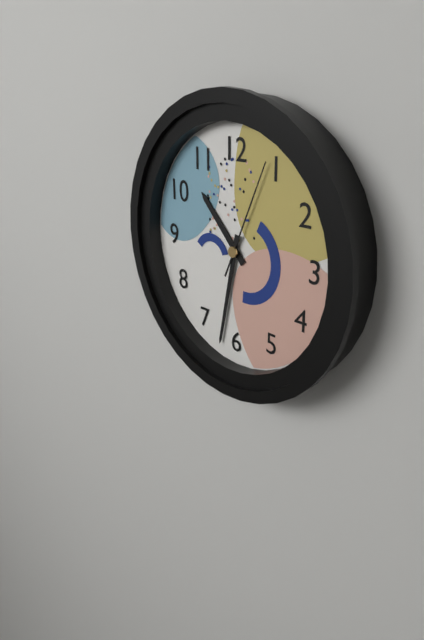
{"hour": 10, "minute": 32, "second": 4}
